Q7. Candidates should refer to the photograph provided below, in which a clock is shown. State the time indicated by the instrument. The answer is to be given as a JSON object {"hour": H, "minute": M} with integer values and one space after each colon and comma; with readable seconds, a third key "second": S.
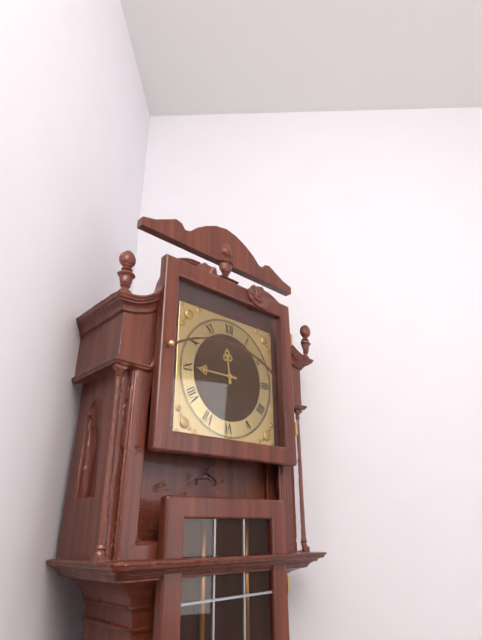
{"hour": 11, "minute": 45}
